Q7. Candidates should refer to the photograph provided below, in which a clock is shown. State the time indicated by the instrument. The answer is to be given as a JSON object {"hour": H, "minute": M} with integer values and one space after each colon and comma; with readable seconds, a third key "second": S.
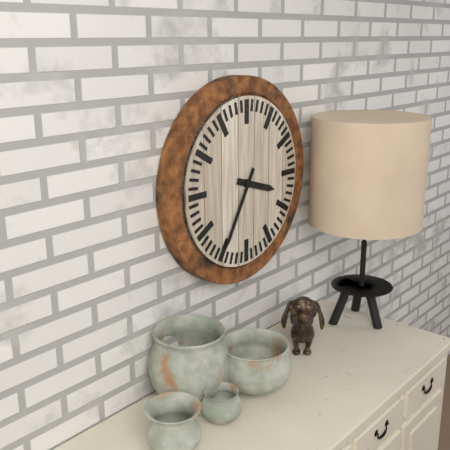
{"hour": 3, "minute": 35}
